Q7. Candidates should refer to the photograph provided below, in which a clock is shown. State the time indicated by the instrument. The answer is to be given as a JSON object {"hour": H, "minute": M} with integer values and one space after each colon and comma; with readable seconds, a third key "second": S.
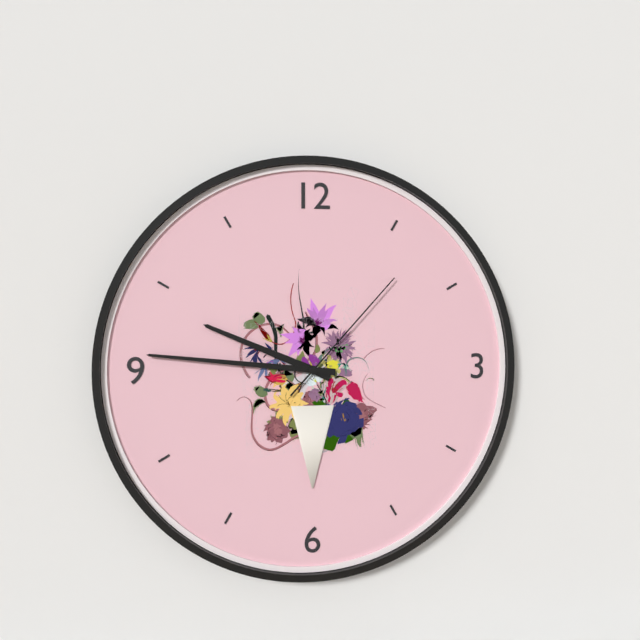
{"hour": 9, "minute": 46, "second": 7}
